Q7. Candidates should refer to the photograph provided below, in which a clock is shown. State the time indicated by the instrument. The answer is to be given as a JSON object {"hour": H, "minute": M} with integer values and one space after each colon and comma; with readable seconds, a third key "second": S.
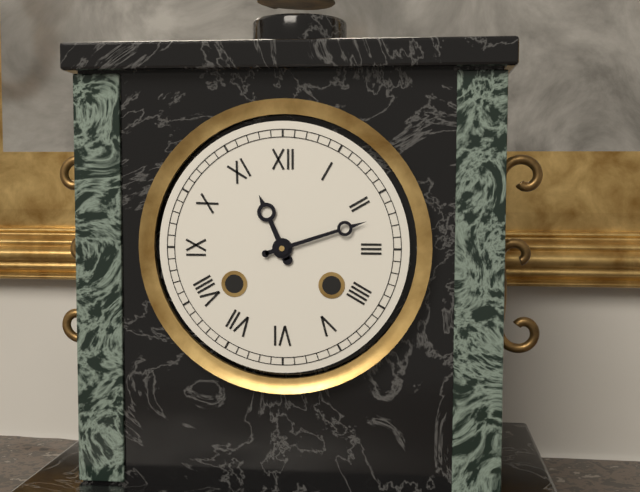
{"hour": 11, "minute": 12}
